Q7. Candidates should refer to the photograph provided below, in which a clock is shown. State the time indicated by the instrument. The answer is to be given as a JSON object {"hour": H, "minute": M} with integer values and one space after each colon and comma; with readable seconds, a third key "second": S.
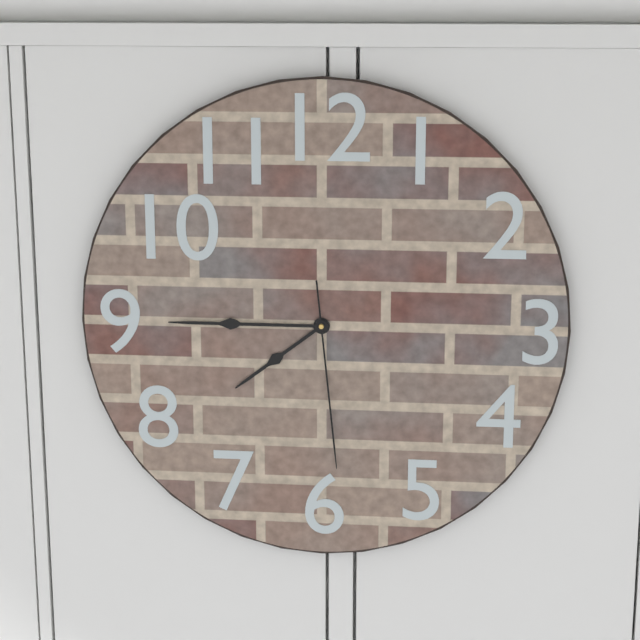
{"hour": 7, "minute": 45, "second": 29}
